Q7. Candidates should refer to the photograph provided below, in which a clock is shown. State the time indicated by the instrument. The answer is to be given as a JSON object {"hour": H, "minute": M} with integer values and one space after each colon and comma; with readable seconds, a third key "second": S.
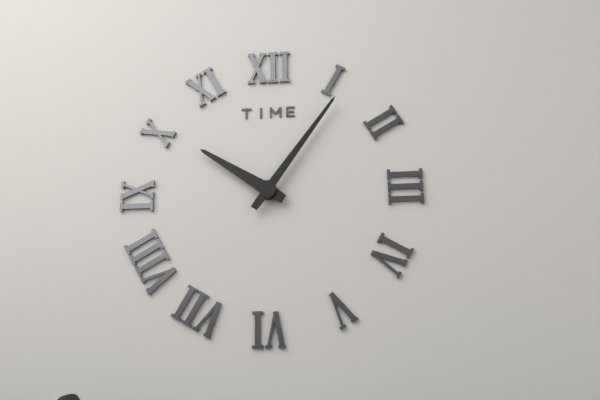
{"hour": 10, "minute": 6}
